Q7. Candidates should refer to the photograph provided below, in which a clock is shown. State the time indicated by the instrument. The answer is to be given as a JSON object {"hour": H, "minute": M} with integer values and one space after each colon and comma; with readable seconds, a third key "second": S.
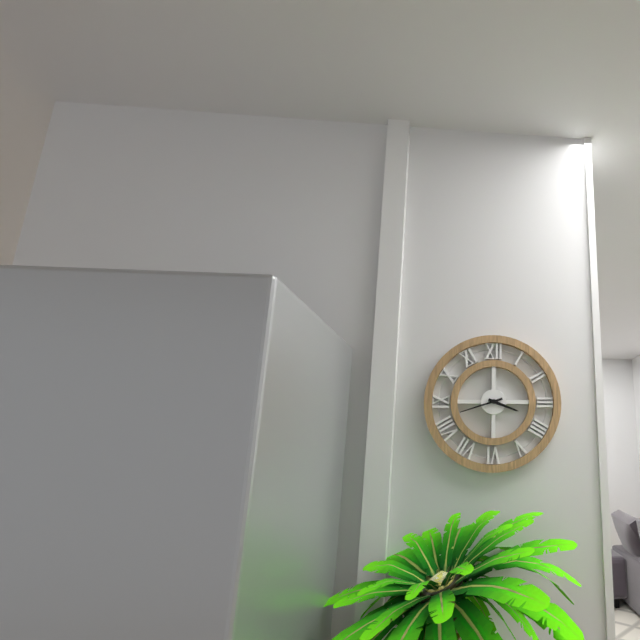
{"hour": 3, "minute": 42}
